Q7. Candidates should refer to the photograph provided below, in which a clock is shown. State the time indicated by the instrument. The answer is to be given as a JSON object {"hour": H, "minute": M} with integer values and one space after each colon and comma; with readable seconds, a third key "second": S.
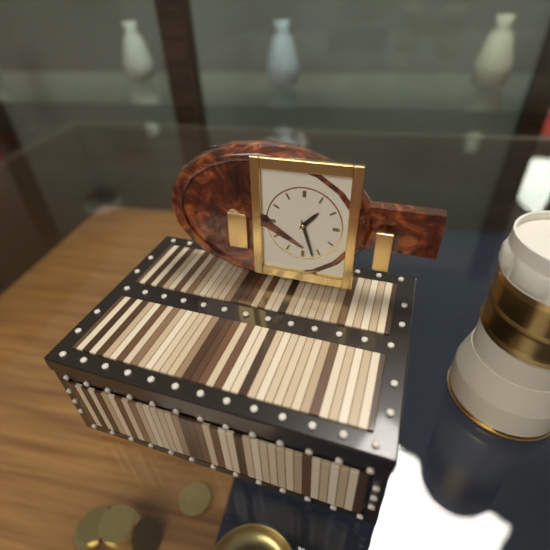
{"hour": 1, "minute": 27}
